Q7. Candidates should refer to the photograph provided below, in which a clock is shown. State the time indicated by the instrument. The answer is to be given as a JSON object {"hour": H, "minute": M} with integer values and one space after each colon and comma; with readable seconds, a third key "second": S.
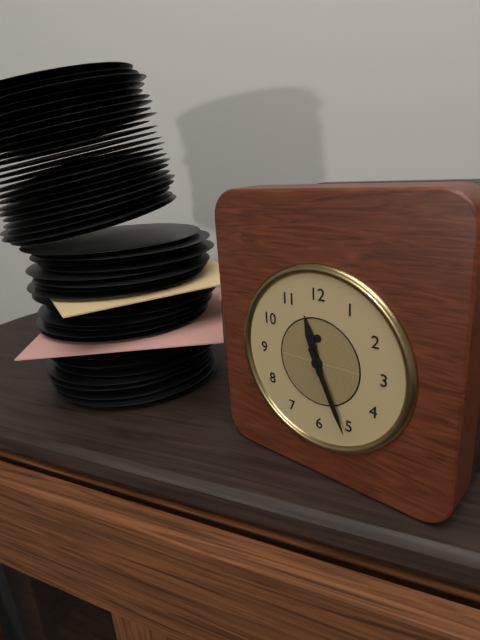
{"hour": 11, "minute": 26}
